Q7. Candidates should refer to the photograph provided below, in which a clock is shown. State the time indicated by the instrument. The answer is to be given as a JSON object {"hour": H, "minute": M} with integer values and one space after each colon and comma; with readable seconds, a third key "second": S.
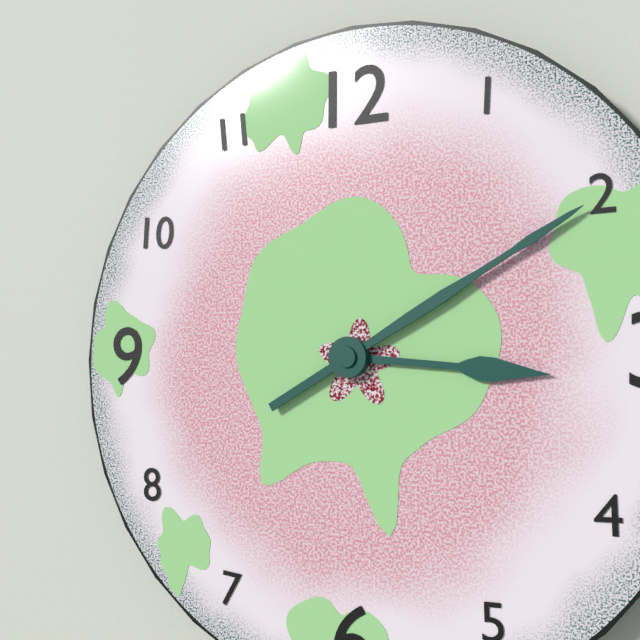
{"hour": 3, "minute": 10}
